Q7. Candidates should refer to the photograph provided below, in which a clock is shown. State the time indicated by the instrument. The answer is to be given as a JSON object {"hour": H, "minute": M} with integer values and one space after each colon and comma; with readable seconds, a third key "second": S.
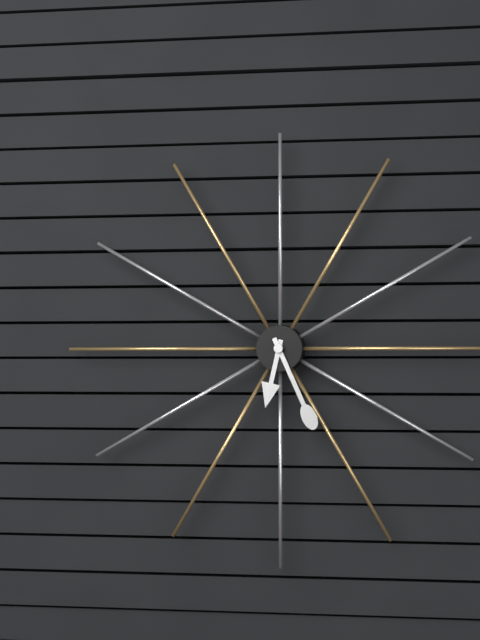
{"hour": 6, "minute": 26}
